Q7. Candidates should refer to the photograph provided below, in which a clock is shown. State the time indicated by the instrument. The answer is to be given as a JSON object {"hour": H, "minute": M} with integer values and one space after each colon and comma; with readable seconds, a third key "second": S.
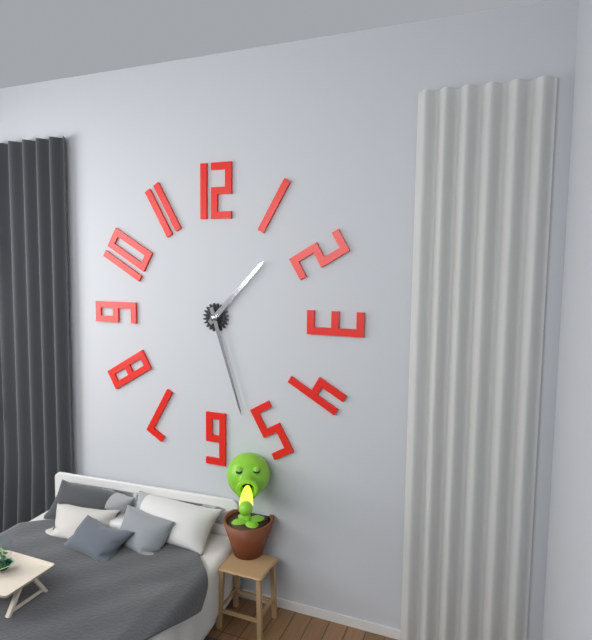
{"hour": 1, "minute": 27}
